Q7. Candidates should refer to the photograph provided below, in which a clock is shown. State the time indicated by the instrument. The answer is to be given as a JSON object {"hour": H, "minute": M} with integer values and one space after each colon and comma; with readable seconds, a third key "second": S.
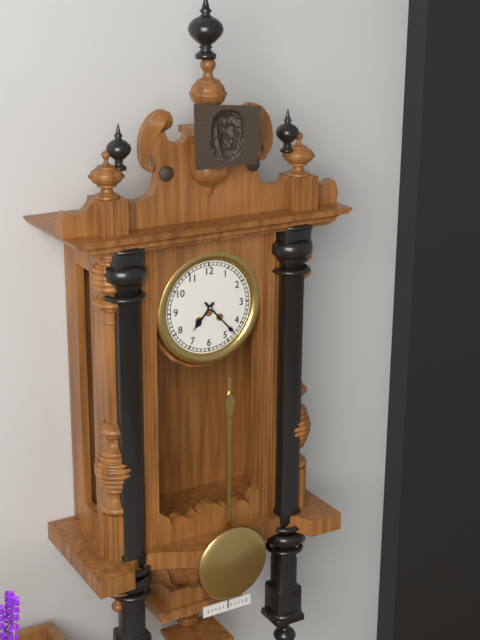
{"hour": 7, "minute": 23}
